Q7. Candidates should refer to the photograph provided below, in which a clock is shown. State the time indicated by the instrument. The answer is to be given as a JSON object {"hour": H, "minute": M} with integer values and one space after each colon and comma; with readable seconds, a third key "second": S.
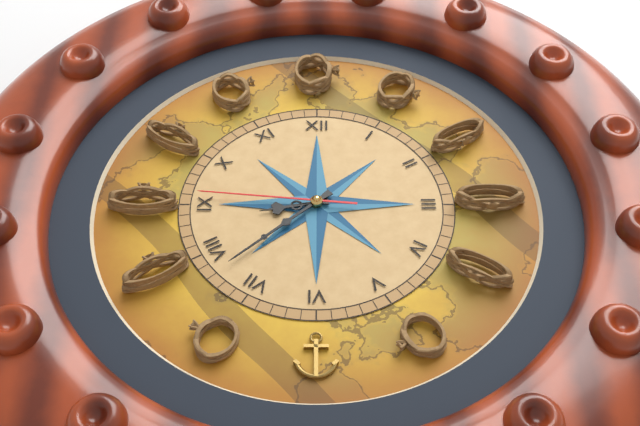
{"hour": 8, "minute": 38, "second": 46}
